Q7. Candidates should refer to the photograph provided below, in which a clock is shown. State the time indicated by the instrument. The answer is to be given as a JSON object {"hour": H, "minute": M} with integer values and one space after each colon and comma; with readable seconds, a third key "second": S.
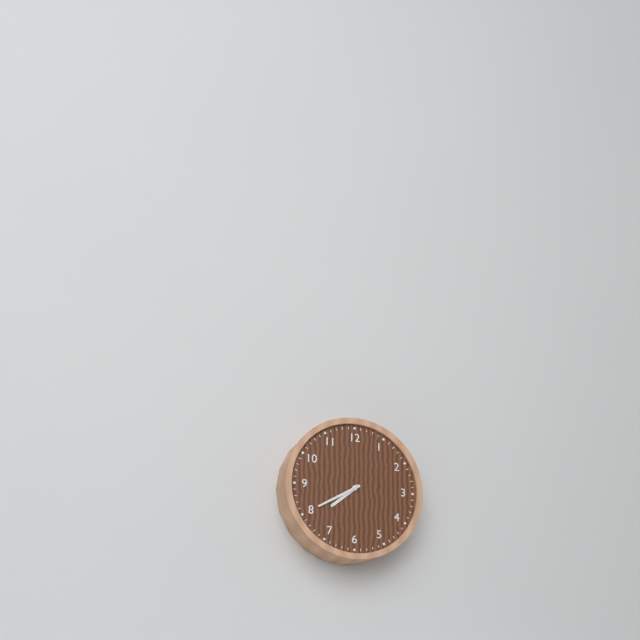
{"hour": 7, "minute": 40}
